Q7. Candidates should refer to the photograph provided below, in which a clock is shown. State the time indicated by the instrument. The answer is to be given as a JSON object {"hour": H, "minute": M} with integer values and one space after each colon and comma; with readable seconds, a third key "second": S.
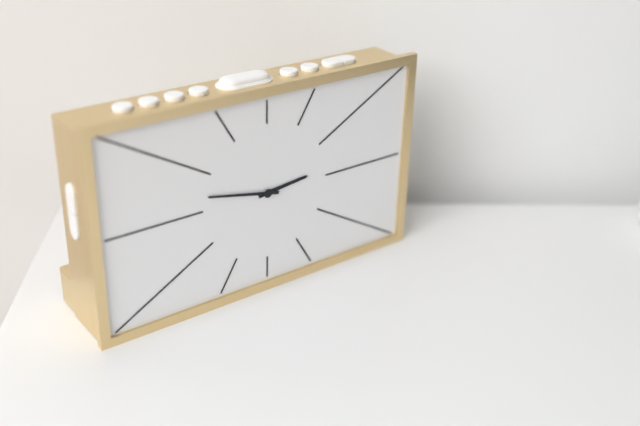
{"hour": 2, "minute": 47}
